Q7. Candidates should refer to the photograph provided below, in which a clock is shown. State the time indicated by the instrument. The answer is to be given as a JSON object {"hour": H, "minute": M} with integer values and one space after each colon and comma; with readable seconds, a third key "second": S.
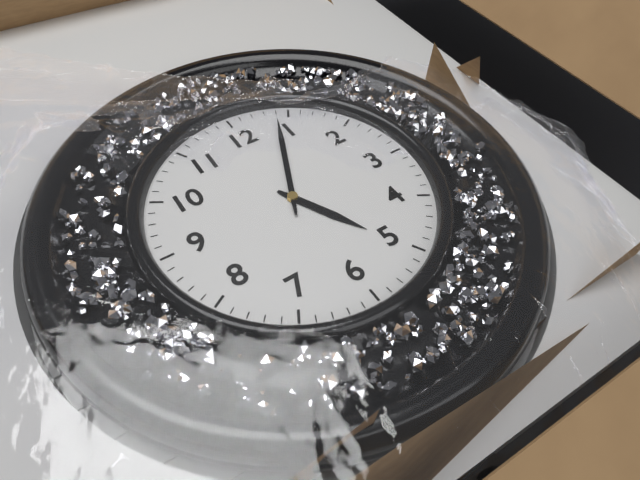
{"hour": 5, "minute": 4}
